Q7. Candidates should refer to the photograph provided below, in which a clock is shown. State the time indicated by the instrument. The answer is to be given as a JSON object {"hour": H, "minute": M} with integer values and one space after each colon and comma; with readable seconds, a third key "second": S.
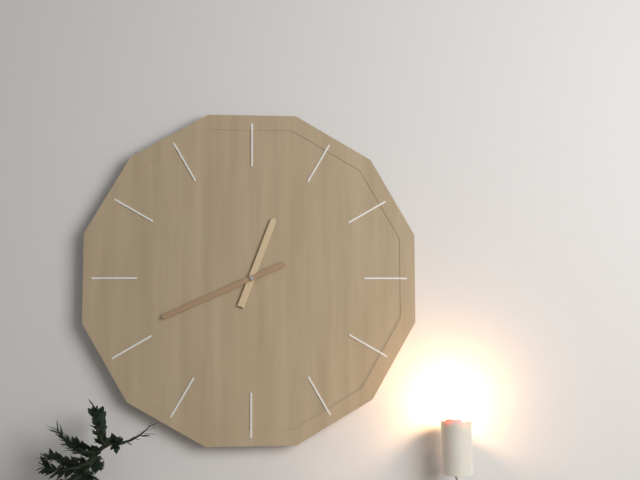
{"hour": 12, "minute": 41}
